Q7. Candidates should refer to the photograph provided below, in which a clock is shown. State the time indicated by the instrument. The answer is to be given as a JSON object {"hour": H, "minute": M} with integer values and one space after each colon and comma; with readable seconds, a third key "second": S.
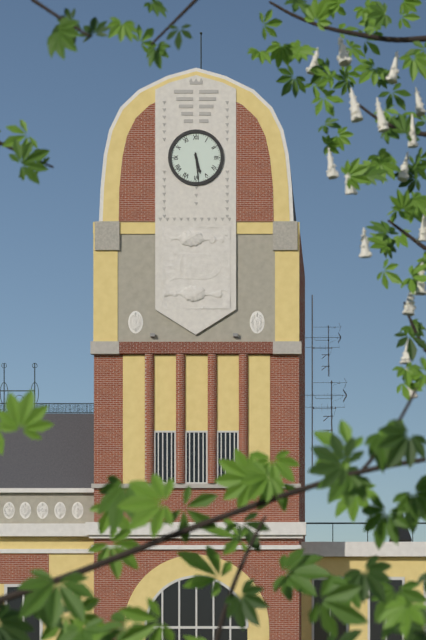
{"hour": 5, "minute": 29}
